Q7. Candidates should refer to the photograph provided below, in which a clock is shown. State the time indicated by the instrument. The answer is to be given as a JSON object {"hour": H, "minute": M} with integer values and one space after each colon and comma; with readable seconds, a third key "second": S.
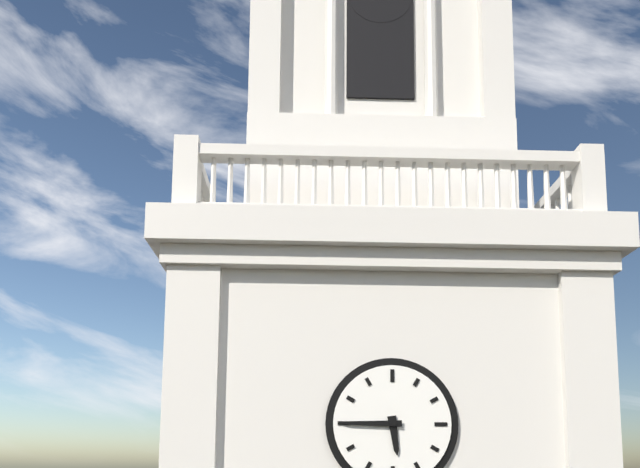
{"hour": 5, "minute": 45}
